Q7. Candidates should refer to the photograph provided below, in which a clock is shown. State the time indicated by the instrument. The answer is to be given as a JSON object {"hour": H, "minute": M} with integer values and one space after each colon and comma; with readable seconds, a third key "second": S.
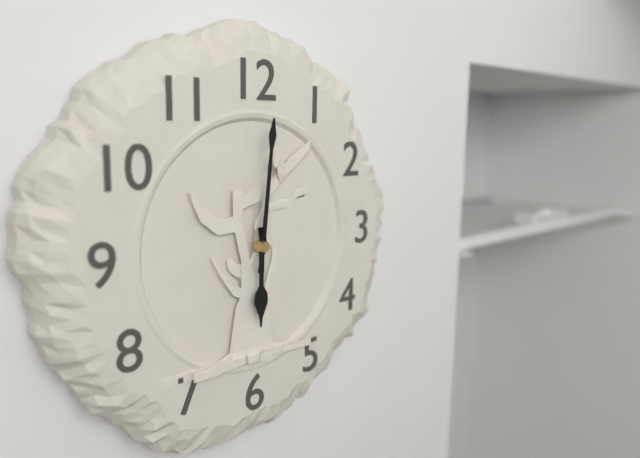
{"hour": 6, "minute": 1}
